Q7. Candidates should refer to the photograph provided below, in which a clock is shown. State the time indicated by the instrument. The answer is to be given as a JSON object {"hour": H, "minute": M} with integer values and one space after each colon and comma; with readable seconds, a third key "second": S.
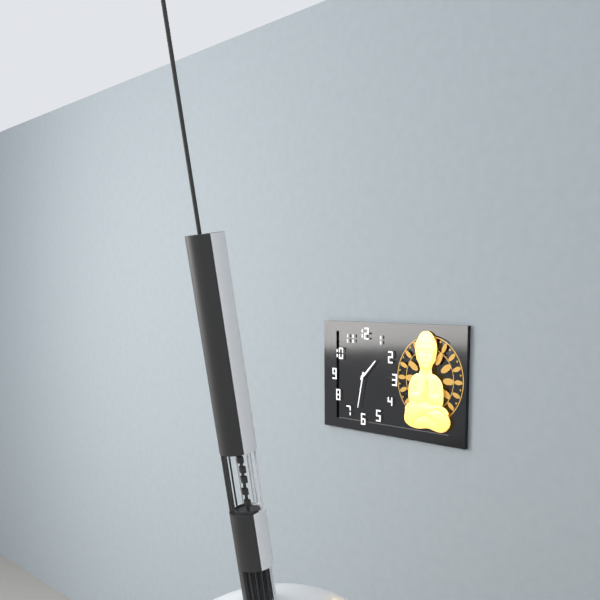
{"hour": 1, "minute": 32}
